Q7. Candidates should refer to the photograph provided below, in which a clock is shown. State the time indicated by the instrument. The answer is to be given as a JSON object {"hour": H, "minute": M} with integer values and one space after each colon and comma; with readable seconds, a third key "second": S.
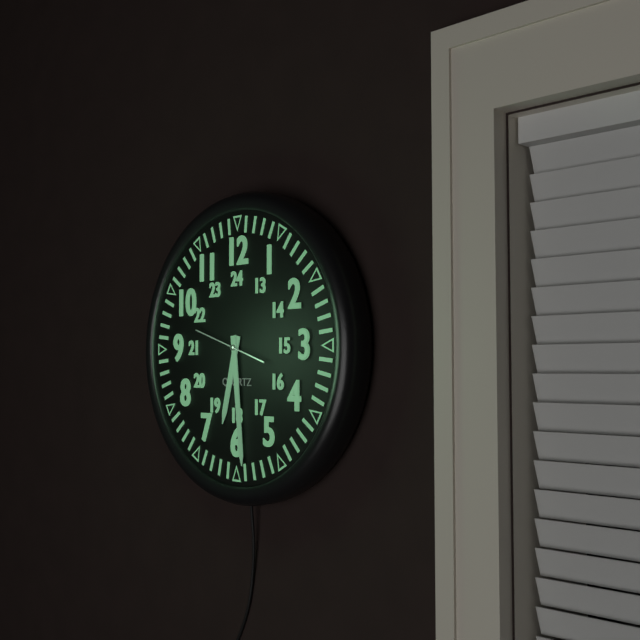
{"hour": 6, "minute": 29, "second": 48}
